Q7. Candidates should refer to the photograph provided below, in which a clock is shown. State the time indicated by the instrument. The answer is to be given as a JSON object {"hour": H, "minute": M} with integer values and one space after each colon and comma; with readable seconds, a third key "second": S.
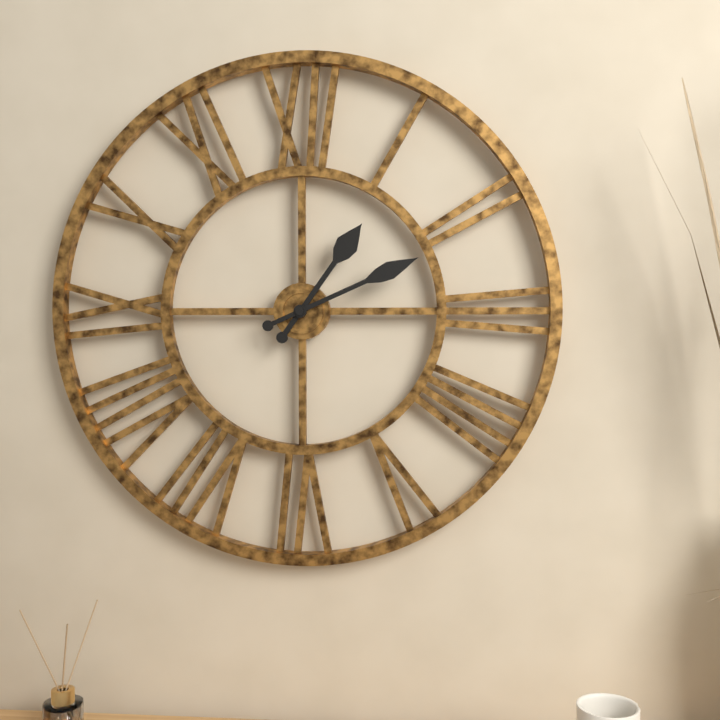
{"hour": 1, "minute": 11}
